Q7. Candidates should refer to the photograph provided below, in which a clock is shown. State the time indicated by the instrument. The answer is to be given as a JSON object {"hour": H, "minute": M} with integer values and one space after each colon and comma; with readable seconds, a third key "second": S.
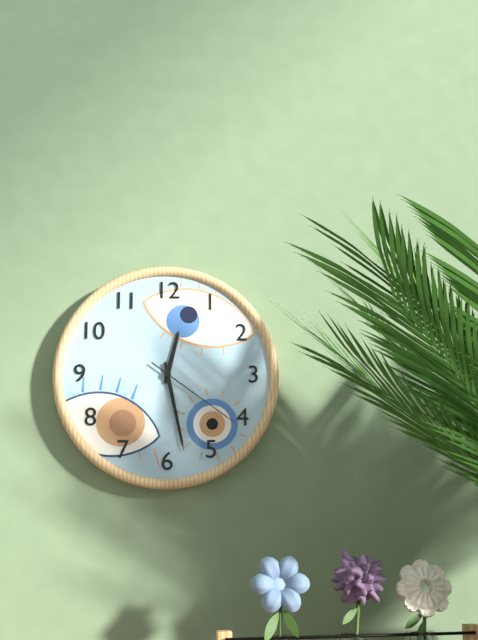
{"hour": 12, "minute": 28, "second": 21}
